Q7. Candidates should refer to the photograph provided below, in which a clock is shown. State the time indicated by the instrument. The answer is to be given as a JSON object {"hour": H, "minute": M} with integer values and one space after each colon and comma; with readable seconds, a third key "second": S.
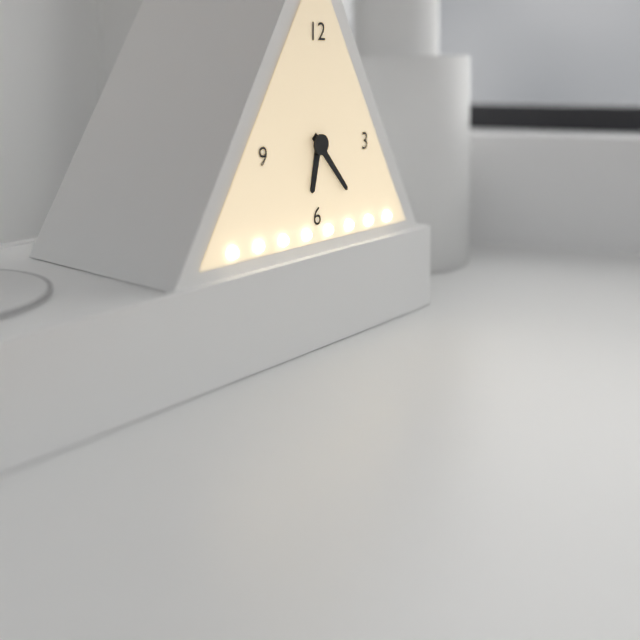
{"hour": 6, "minute": 23}
